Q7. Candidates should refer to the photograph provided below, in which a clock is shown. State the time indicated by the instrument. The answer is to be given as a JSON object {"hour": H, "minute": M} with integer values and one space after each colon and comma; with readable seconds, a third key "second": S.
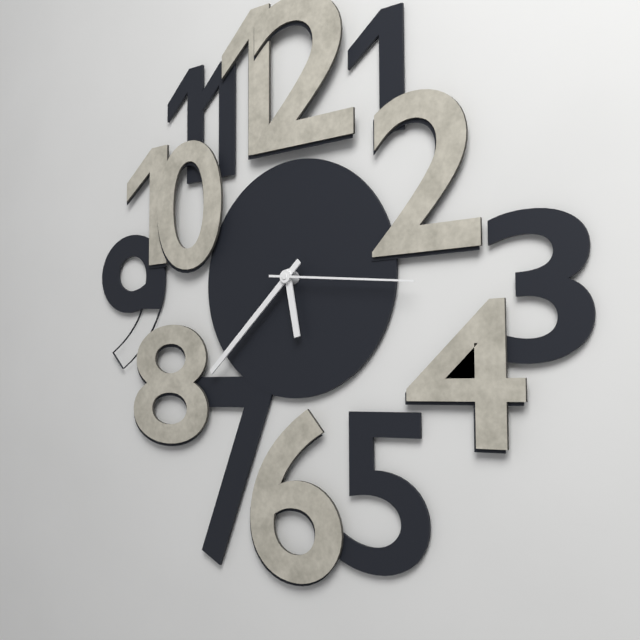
{"hour": 5, "minute": 38, "second": 16}
